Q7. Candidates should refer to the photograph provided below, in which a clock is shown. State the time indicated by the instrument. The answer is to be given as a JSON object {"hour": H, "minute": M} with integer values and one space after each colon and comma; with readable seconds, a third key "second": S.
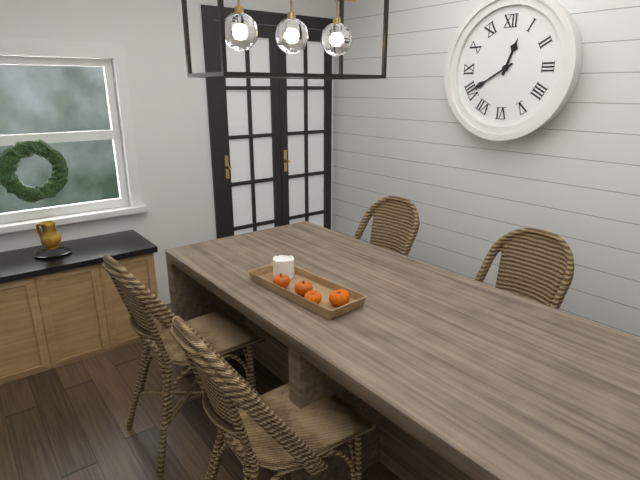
{"hour": 12, "minute": 40}
